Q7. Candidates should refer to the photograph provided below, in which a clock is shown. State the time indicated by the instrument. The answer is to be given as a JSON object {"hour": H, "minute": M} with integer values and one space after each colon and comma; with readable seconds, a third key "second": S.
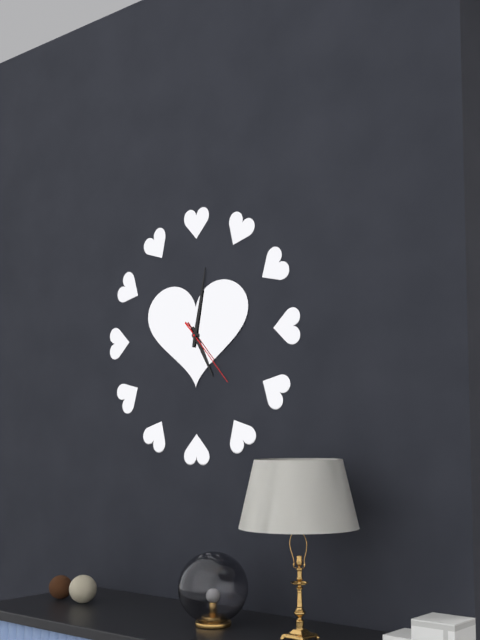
{"hour": 5, "minute": 2, "second": 23}
